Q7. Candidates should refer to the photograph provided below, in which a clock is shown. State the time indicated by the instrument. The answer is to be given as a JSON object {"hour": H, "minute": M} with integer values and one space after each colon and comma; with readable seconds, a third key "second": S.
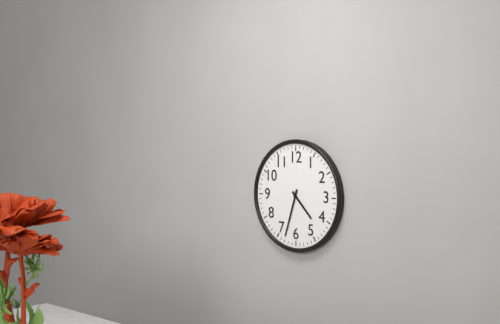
{"hour": 4, "minute": 33}
